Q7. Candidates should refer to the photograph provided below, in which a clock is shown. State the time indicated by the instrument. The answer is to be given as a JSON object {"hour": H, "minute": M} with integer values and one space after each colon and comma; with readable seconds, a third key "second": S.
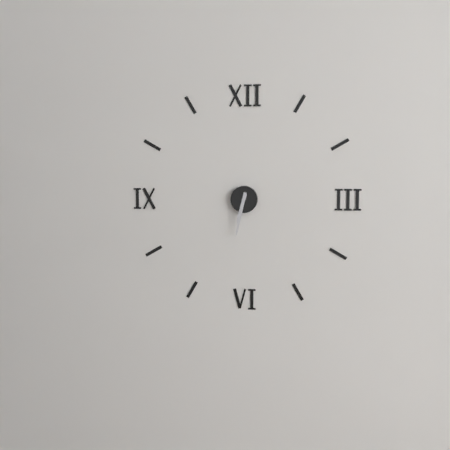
{"hour": 6, "minute": 32}
